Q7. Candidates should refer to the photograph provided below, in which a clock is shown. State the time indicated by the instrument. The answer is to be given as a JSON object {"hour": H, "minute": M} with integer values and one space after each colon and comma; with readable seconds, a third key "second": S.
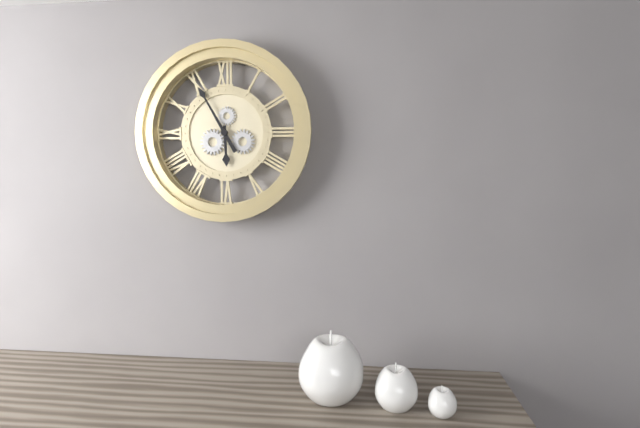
{"hour": 5, "minute": 55}
